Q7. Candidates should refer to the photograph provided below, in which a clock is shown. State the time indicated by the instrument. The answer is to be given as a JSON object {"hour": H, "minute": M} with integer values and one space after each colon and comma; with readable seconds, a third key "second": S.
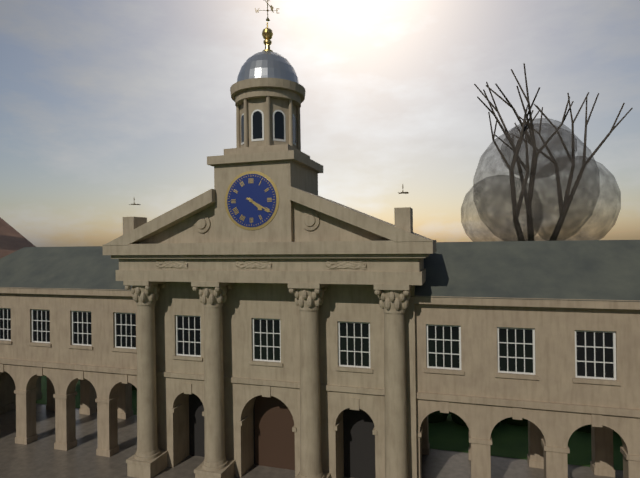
{"hour": 4, "minute": 20}
